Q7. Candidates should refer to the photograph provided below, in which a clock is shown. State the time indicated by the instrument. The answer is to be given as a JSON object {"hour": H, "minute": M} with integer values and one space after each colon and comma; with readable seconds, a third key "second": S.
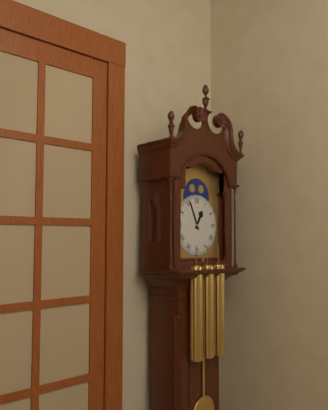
{"hour": 12, "minute": 56}
